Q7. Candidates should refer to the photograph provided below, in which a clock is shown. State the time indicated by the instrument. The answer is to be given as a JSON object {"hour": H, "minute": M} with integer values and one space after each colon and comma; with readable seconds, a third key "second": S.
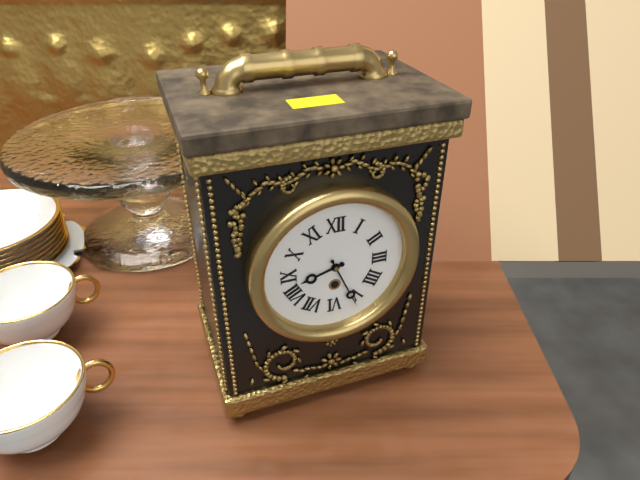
{"hour": 8, "minute": 26}
